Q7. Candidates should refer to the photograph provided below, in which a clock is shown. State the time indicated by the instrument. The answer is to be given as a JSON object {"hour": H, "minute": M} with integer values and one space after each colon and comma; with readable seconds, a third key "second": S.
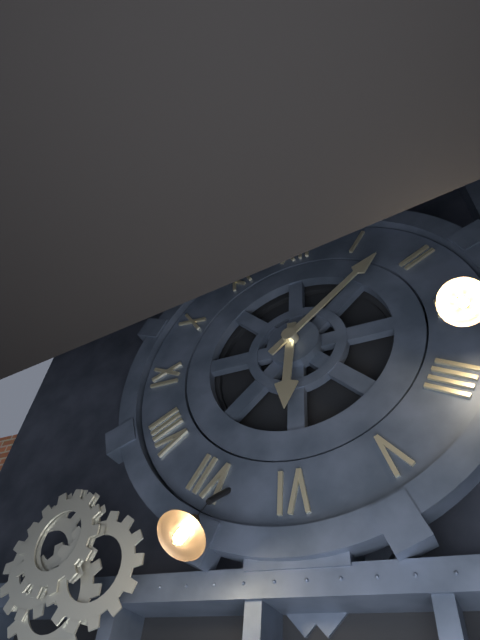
{"hour": 6, "minute": 8}
